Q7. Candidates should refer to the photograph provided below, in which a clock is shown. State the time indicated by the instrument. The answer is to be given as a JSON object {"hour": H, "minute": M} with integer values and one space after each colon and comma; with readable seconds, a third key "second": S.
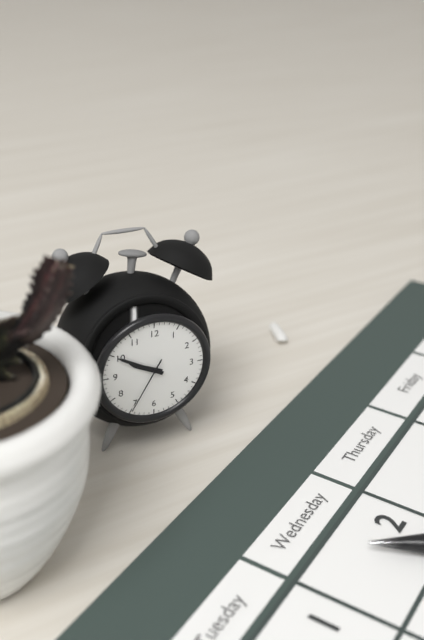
{"hour": 9, "minute": 50, "second": 35}
